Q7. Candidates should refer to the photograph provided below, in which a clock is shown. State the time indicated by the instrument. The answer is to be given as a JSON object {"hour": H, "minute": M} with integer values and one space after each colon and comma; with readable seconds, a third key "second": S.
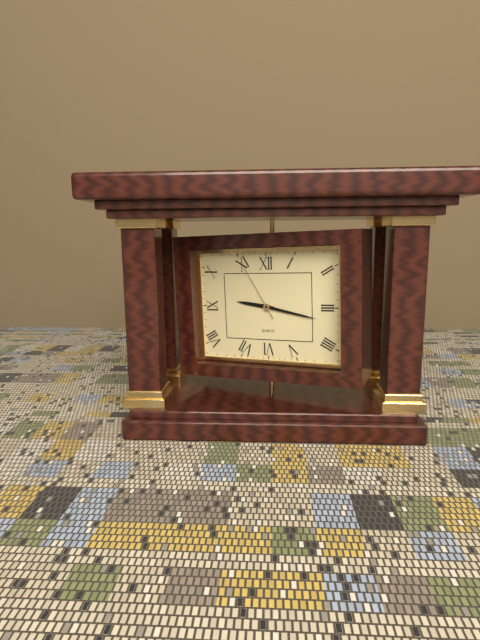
{"hour": 9, "minute": 17, "second": 55}
